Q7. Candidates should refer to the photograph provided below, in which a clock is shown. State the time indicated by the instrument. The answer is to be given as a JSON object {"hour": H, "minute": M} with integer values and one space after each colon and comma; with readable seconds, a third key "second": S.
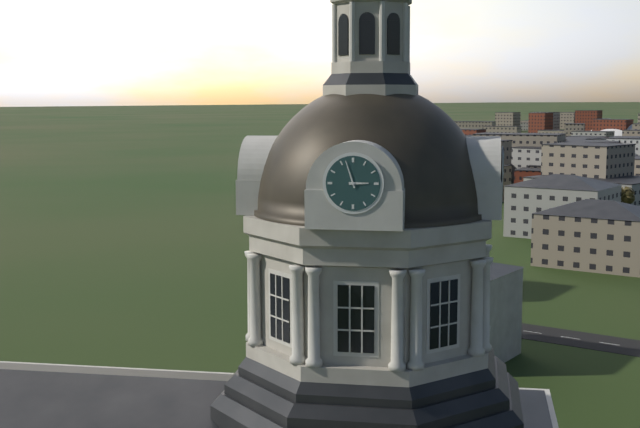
{"hour": 2, "minute": 57}
